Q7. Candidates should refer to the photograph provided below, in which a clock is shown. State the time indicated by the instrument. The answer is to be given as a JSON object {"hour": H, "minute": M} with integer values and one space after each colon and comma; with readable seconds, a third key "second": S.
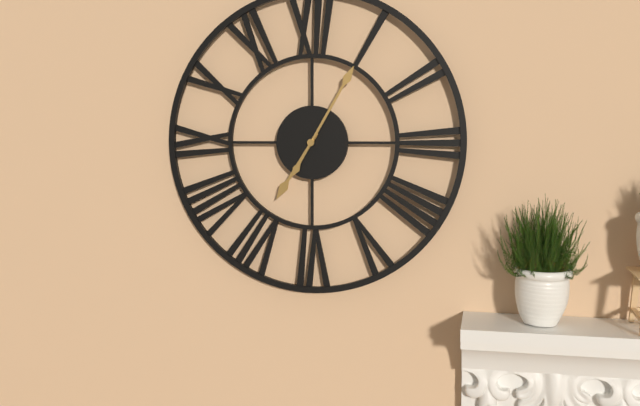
{"hour": 7, "minute": 5}
